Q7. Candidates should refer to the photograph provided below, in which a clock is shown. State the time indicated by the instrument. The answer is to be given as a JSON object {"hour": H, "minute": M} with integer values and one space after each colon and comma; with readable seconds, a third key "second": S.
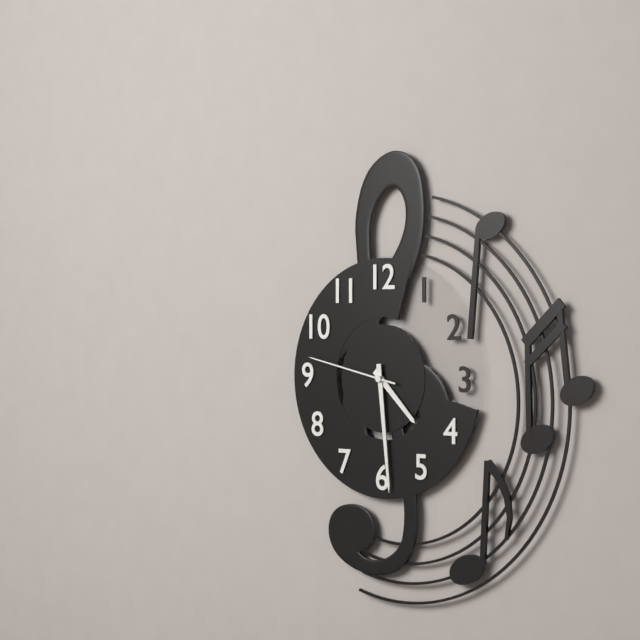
{"hour": 4, "minute": 29, "second": 47}
